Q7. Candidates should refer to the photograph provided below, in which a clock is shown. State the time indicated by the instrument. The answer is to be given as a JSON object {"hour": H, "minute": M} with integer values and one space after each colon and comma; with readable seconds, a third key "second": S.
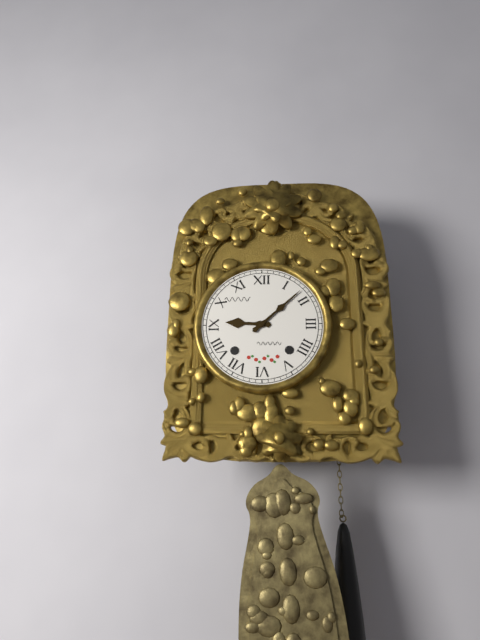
{"hour": 9, "minute": 8}
